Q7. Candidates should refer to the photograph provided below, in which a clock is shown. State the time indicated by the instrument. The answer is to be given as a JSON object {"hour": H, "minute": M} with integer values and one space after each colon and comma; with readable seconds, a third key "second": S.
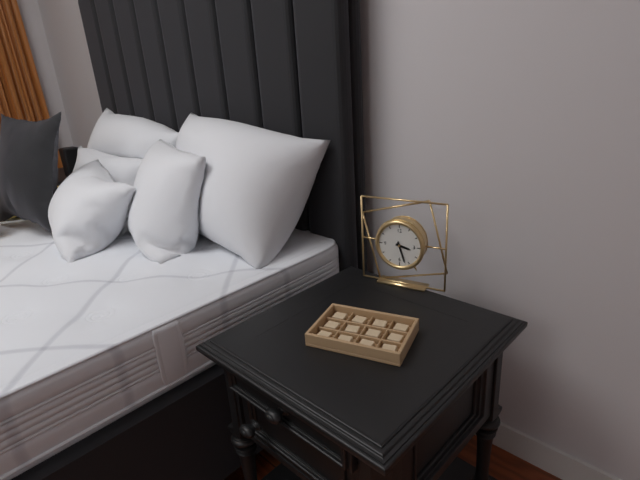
{"hour": 3, "minute": 27}
